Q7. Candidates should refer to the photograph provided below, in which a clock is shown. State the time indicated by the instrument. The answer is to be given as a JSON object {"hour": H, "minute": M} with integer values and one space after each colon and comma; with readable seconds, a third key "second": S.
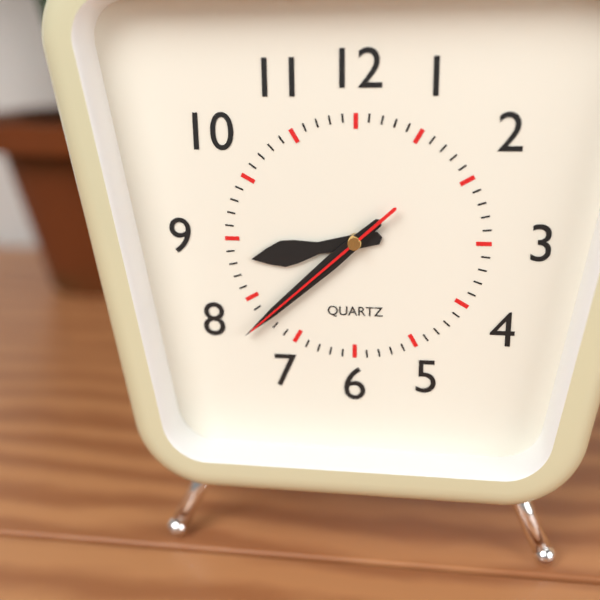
{"hour": 8, "minute": 38, "second": 38}
